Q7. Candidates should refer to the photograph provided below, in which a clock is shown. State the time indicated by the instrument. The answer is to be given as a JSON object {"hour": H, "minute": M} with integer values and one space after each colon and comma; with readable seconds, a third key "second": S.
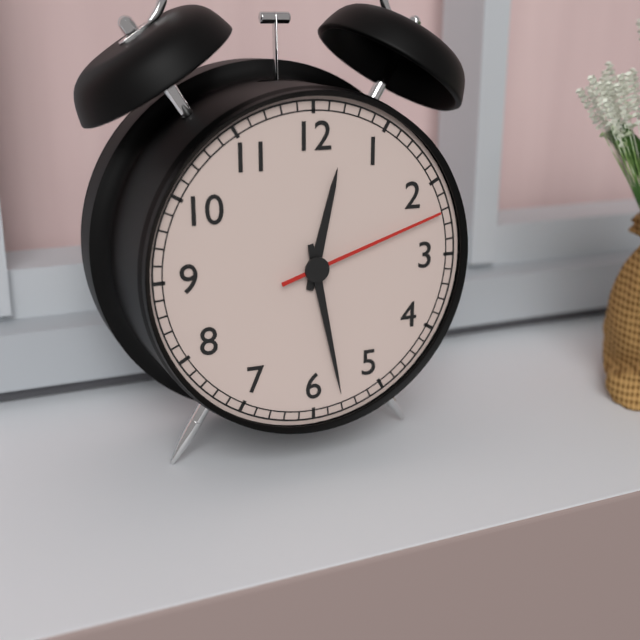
{"hour": 12, "minute": 28, "second": 12}
